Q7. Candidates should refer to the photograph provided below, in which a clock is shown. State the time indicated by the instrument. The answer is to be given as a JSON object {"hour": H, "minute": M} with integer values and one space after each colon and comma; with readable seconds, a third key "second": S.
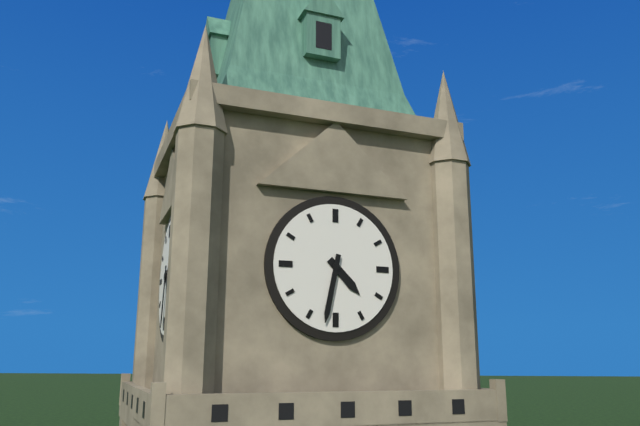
{"hour": 4, "minute": 32}
